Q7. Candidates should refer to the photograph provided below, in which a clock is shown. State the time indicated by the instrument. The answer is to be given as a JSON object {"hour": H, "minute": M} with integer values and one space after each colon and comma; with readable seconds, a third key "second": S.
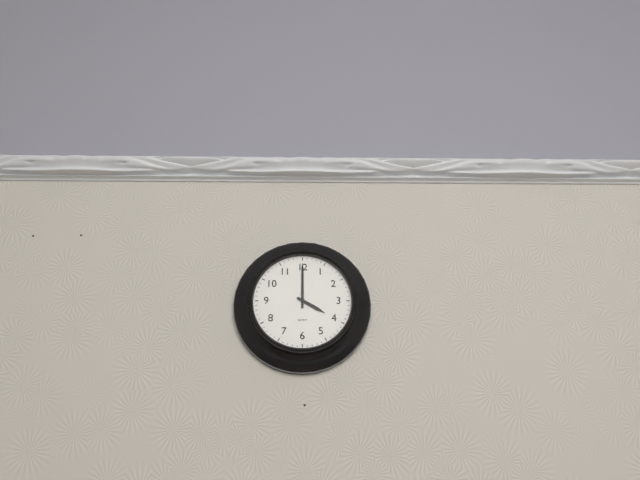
{"hour": 4, "minute": 0}
